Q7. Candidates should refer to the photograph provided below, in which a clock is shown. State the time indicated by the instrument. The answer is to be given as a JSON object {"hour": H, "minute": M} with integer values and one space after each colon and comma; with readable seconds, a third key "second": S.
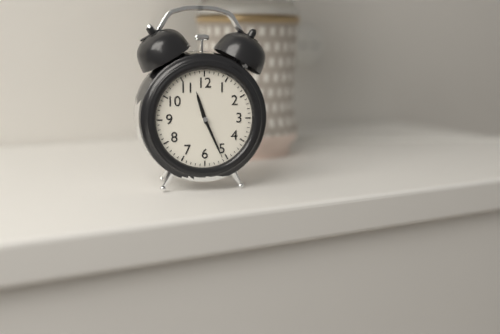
{"hour": 11, "minute": 26}
